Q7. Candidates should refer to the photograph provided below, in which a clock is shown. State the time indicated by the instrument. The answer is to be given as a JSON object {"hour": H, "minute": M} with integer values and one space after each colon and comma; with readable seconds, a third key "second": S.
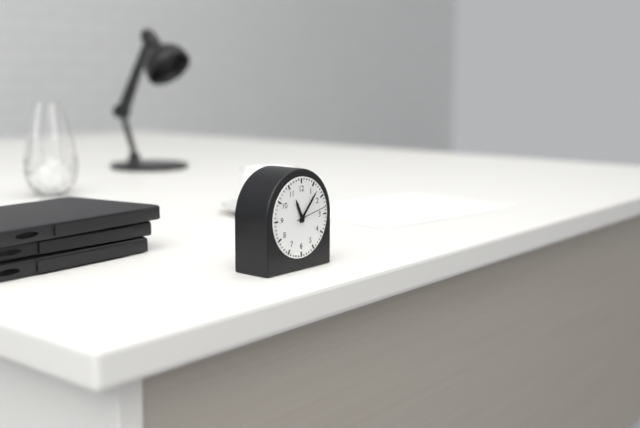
{"hour": 11, "minute": 7, "second": 13}
